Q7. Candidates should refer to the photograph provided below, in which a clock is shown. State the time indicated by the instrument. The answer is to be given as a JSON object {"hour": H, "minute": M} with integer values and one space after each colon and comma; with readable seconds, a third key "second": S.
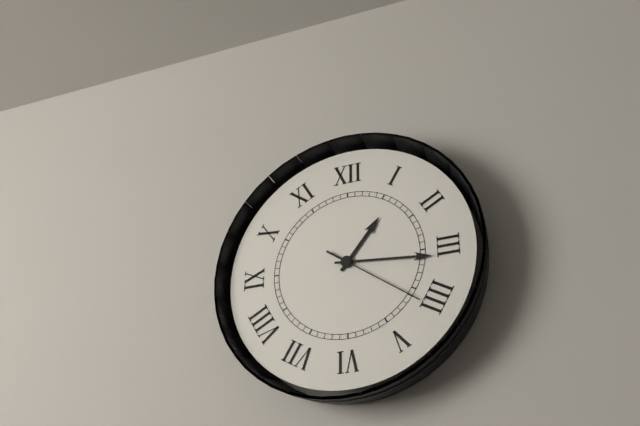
{"hour": 1, "minute": 16, "second": 21}
